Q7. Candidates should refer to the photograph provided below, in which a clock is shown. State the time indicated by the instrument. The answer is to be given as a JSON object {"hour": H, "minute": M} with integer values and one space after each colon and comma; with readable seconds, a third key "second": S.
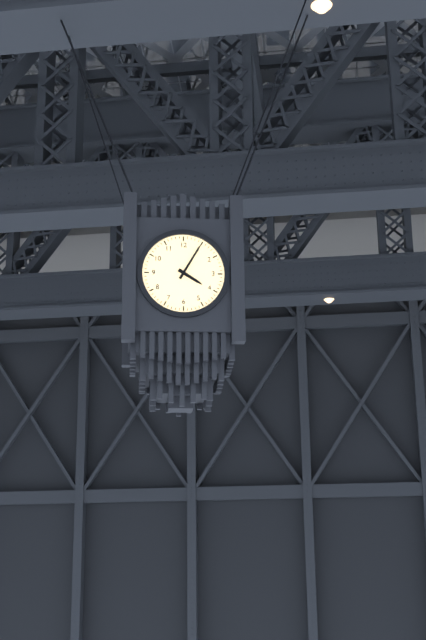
{"hour": 4, "minute": 5}
